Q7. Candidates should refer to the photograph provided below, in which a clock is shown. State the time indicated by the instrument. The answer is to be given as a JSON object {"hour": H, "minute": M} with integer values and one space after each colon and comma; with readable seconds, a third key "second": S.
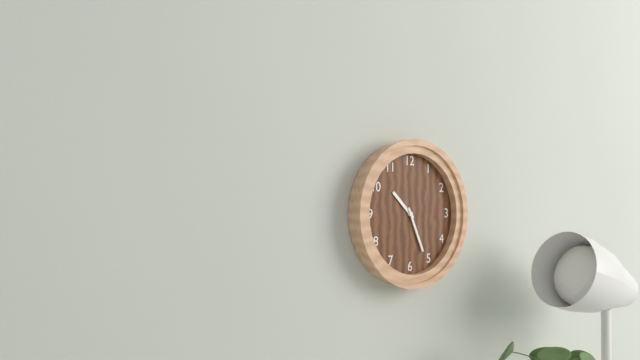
{"hour": 10, "minute": 26}
